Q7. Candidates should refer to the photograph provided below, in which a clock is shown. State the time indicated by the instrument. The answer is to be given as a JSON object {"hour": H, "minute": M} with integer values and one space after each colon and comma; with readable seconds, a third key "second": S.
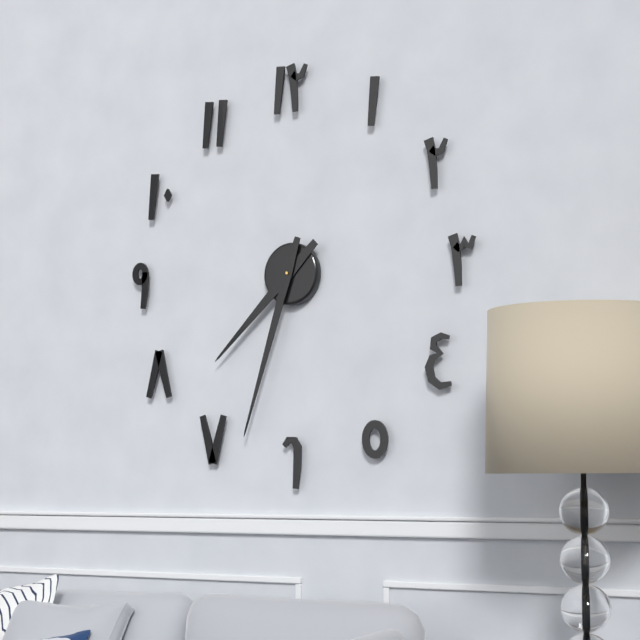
{"hour": 7, "minute": 33}
